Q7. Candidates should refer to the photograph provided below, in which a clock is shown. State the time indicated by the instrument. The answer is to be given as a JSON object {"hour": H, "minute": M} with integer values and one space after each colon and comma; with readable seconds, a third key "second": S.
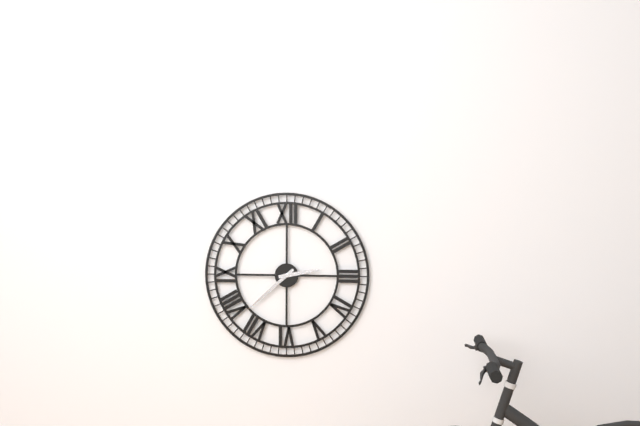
{"hour": 2, "minute": 38}
